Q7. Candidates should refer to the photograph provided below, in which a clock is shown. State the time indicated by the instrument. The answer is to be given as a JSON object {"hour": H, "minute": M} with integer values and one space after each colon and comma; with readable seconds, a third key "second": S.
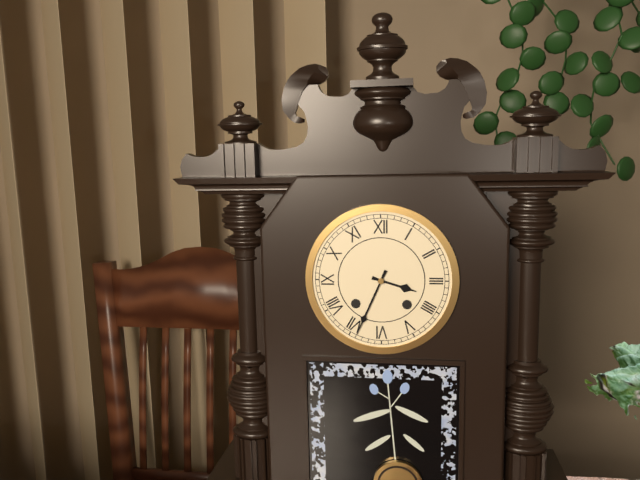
{"hour": 3, "minute": 34}
